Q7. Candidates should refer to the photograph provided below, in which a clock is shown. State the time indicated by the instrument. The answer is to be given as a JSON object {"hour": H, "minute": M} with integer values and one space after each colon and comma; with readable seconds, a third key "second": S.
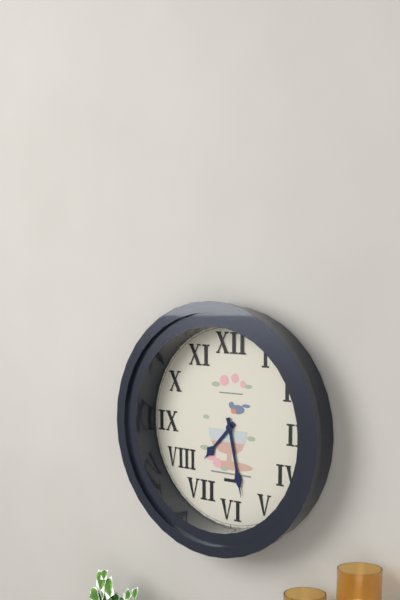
{"hour": 7, "minute": 28}
